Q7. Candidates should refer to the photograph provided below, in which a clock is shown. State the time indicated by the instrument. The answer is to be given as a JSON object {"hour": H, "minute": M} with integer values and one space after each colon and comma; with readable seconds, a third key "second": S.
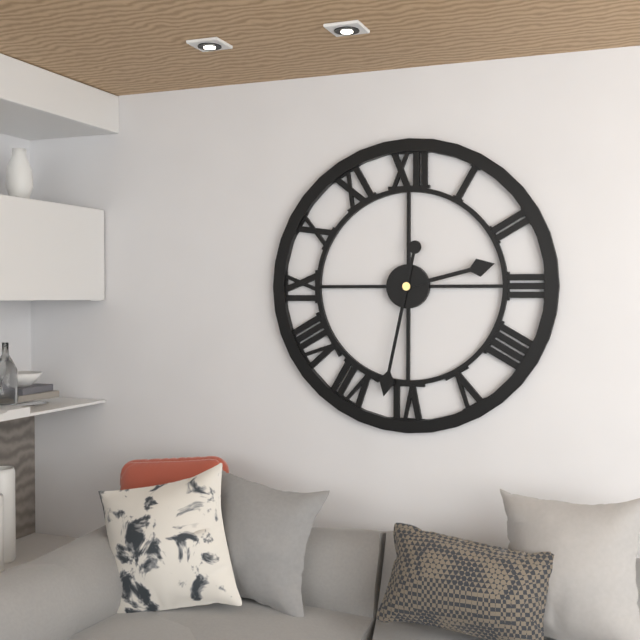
{"hour": 2, "minute": 32}
